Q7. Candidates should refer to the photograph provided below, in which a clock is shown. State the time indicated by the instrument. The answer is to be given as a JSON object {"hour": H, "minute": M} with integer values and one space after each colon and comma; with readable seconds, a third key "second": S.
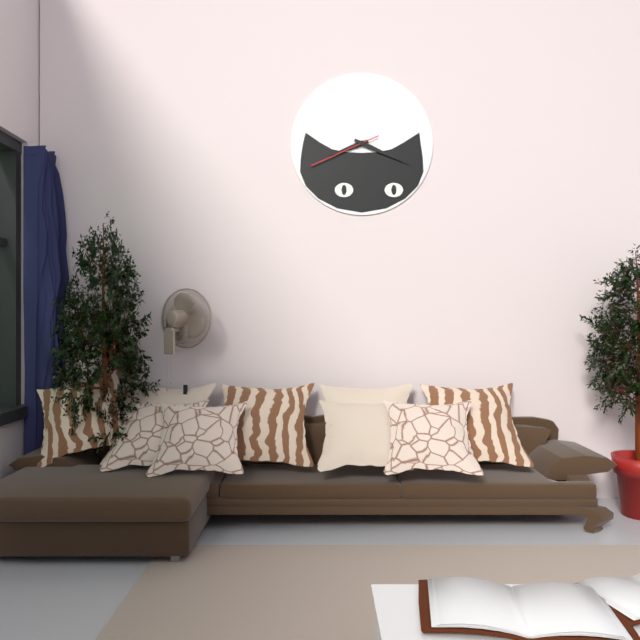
{"hour": 8, "minute": 19, "second": 41}
